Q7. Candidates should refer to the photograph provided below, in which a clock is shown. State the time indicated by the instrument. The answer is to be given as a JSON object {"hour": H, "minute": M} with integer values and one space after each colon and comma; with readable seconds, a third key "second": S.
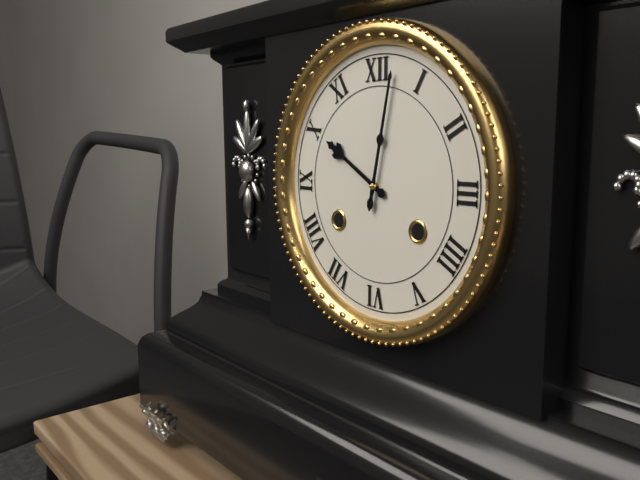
{"hour": 10, "minute": 2}
